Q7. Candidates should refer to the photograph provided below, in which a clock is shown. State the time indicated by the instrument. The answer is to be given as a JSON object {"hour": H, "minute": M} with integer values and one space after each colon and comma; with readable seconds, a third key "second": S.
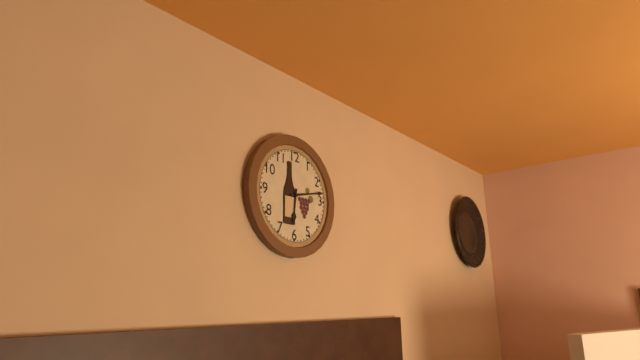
{"hour": 6, "minute": 13}
